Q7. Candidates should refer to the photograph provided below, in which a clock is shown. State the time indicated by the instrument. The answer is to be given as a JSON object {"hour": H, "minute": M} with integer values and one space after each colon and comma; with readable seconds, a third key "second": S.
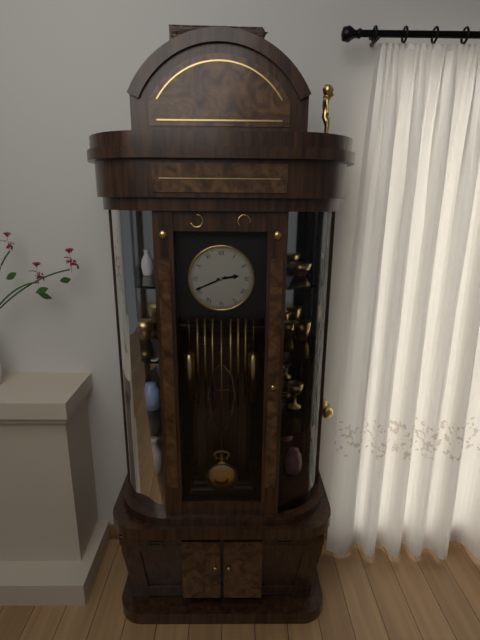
{"hour": 2, "minute": 41}
